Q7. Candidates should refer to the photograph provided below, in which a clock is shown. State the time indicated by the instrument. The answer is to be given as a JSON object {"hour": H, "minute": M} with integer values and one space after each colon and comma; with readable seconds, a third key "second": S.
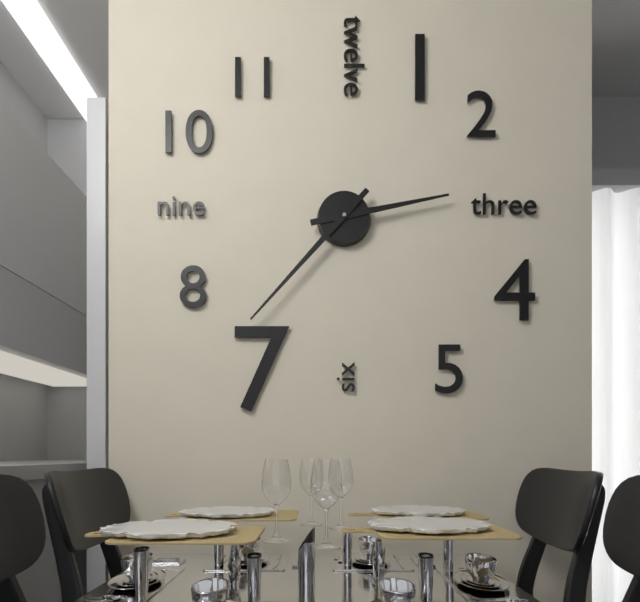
{"hour": 2, "minute": 37}
